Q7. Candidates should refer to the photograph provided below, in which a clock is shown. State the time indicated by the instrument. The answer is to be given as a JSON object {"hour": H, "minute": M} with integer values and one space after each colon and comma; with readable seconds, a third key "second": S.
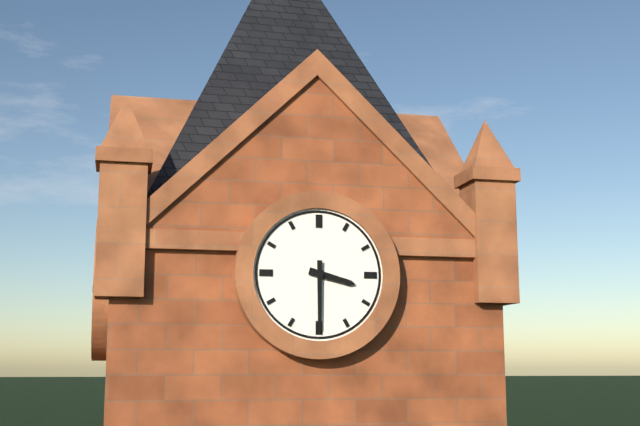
{"hour": 3, "minute": 30}
